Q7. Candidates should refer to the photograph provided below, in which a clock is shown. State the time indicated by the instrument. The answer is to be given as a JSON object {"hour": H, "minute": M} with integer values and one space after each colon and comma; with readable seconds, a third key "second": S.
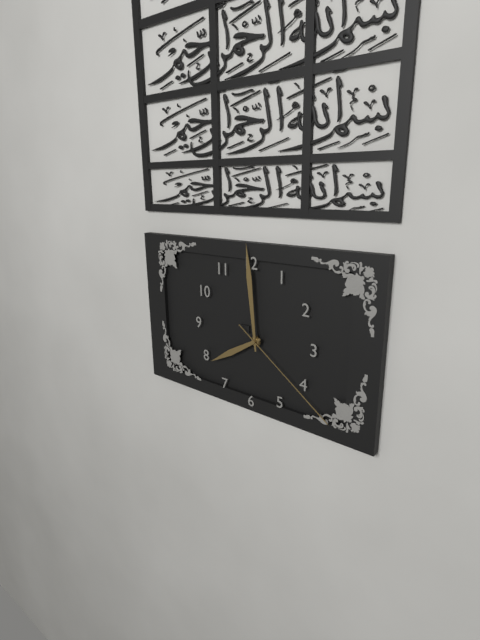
{"hour": 7, "minute": 59, "second": 21}
